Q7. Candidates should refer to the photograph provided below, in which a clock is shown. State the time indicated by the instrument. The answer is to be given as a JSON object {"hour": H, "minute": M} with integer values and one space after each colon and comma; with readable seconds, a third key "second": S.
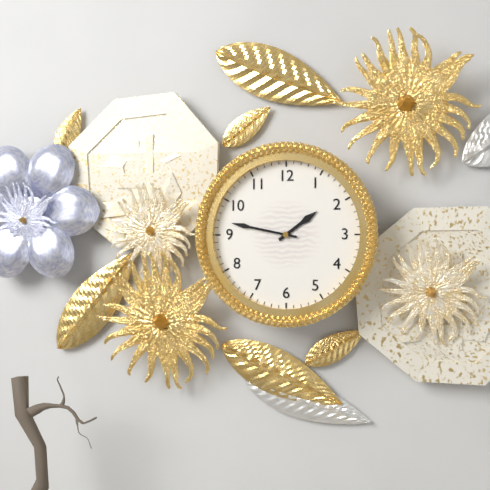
{"hour": 1, "minute": 47}
